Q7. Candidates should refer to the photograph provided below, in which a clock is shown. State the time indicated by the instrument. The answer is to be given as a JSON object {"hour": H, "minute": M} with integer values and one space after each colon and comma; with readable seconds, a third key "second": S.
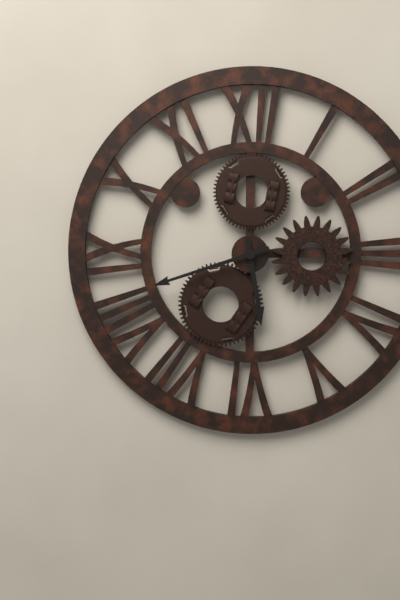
{"hour": 5, "minute": 42}
